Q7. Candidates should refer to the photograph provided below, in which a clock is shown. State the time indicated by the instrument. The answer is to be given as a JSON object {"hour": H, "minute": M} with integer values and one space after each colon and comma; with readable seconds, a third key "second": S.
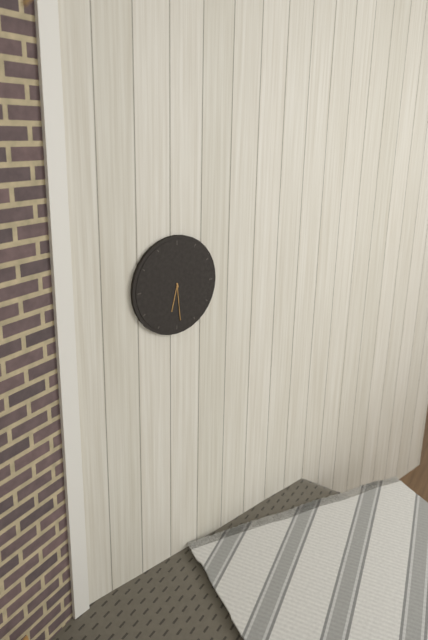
{"hour": 6, "minute": 29}
